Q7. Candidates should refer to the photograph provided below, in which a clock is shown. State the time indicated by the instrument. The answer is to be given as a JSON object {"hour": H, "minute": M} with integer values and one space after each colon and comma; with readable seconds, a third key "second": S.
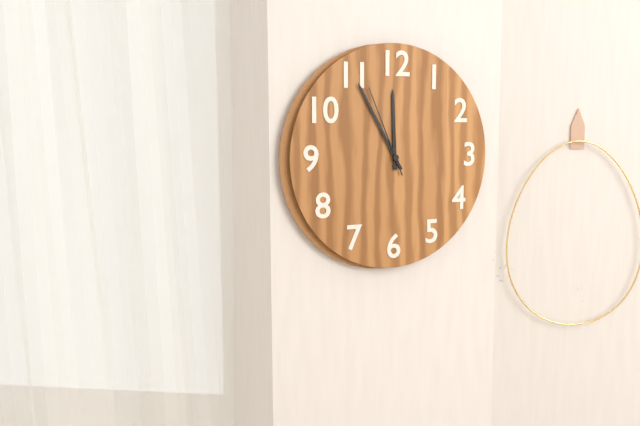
{"hour": 11, "minute": 55, "second": 56}
